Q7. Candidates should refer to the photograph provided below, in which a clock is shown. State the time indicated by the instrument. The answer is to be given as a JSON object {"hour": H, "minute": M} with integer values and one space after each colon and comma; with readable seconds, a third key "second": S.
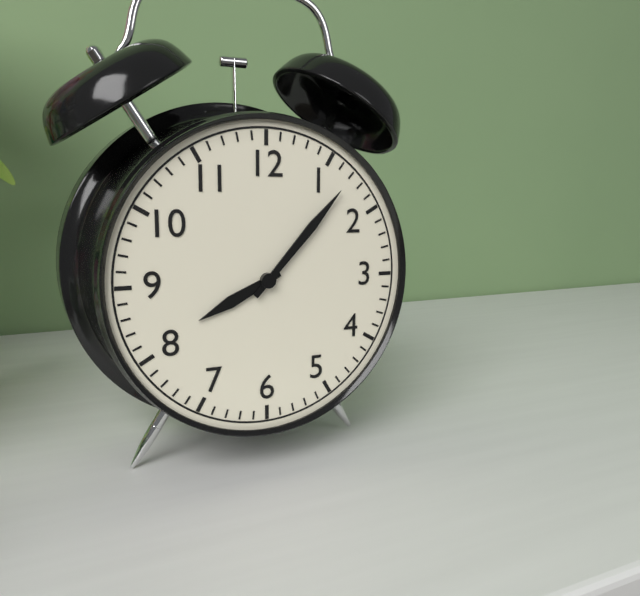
{"hour": 8, "minute": 7}
